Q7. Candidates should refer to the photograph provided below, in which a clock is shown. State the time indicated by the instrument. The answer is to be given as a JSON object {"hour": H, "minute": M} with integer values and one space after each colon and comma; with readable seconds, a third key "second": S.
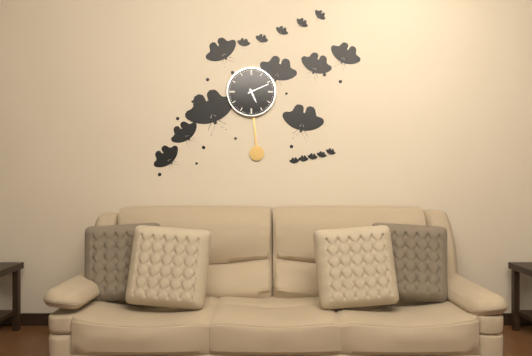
{"hour": 5, "minute": 11}
